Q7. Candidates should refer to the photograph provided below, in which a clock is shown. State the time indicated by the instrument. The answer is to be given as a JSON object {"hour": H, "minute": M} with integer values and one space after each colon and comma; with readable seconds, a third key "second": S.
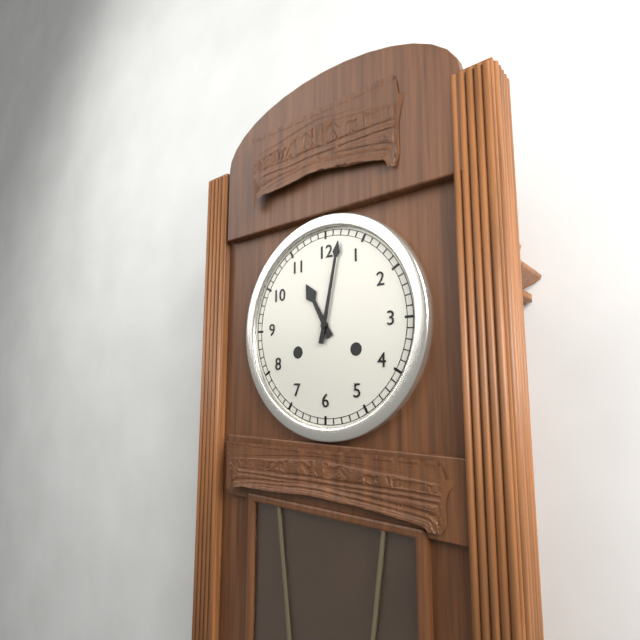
{"hour": 11, "minute": 2}
